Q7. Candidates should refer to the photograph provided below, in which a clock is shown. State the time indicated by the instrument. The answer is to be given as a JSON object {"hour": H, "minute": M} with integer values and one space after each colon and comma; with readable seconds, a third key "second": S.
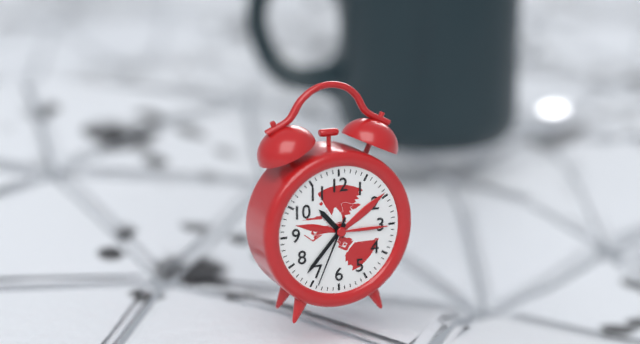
{"hour": 10, "minute": 37, "second": 34}
